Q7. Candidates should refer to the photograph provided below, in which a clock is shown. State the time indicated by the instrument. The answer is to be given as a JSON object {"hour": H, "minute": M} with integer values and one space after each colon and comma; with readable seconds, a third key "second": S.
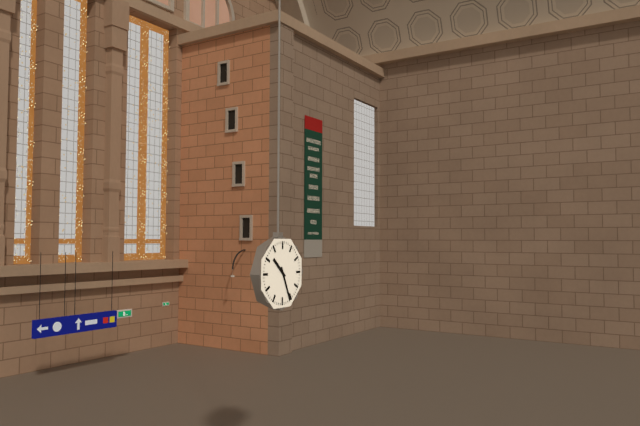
{"hour": 10, "minute": 26}
